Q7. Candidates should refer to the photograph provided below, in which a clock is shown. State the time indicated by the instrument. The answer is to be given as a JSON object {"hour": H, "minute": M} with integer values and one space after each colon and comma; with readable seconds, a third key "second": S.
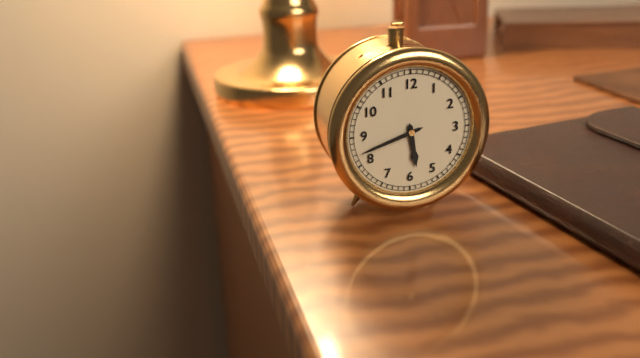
{"hour": 5, "minute": 42}
